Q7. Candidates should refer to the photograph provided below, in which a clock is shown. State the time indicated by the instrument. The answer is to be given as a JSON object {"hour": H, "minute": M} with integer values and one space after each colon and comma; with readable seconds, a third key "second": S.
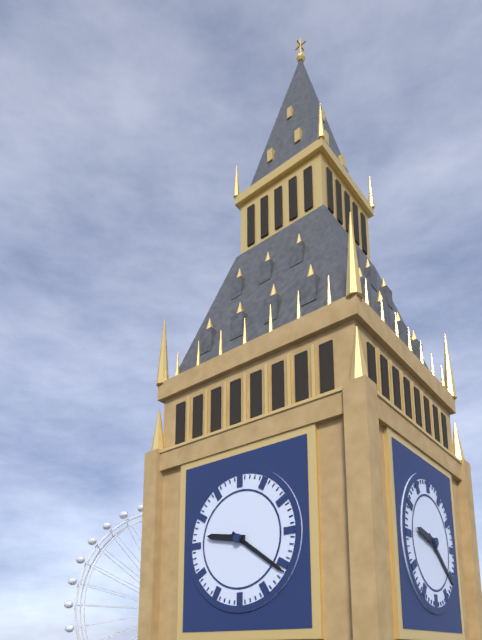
{"hour": 9, "minute": 21}
